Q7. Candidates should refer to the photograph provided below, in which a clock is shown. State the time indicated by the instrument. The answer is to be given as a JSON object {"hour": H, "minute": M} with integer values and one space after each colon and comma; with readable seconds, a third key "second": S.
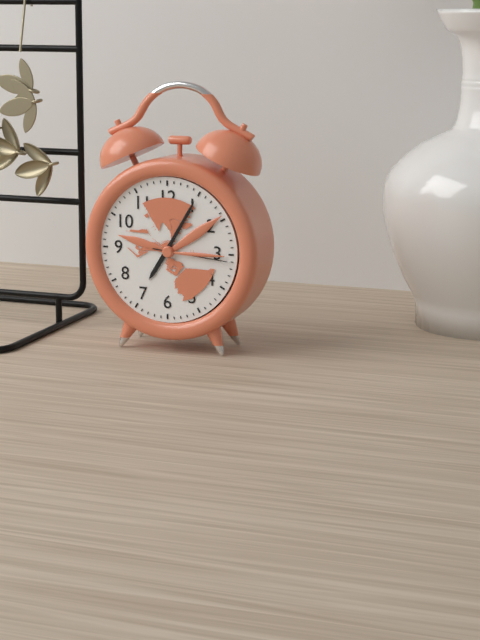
{"hour": 7, "minute": 5, "second": 16}
